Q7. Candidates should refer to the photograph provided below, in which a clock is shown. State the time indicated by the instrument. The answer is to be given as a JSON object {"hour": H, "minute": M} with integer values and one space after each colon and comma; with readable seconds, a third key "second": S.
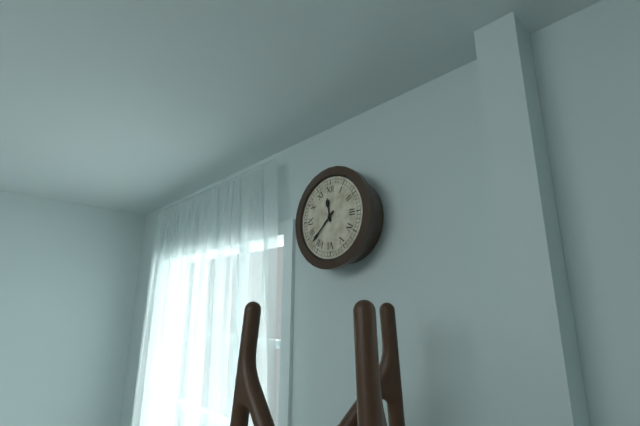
{"hour": 11, "minute": 38}
